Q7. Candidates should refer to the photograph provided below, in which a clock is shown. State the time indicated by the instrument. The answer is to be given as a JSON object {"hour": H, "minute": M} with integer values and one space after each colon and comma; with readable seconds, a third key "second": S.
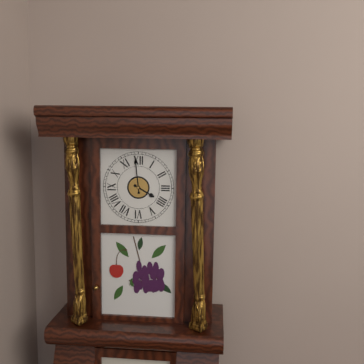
{"hour": 3, "minute": 59}
